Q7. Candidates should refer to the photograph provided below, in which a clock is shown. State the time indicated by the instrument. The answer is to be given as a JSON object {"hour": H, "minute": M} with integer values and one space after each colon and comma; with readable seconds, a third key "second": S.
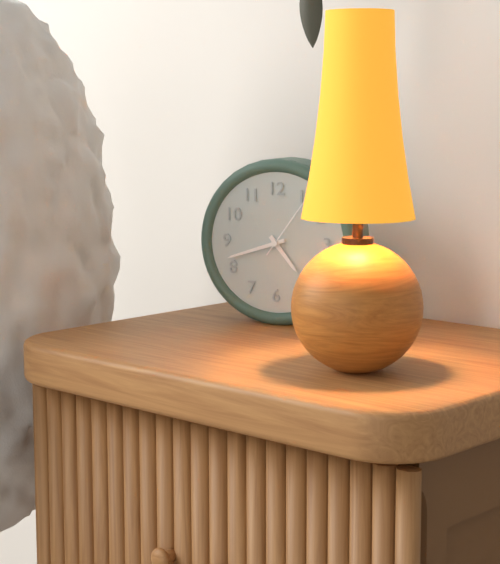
{"hour": 4, "minute": 42, "second": 6}
